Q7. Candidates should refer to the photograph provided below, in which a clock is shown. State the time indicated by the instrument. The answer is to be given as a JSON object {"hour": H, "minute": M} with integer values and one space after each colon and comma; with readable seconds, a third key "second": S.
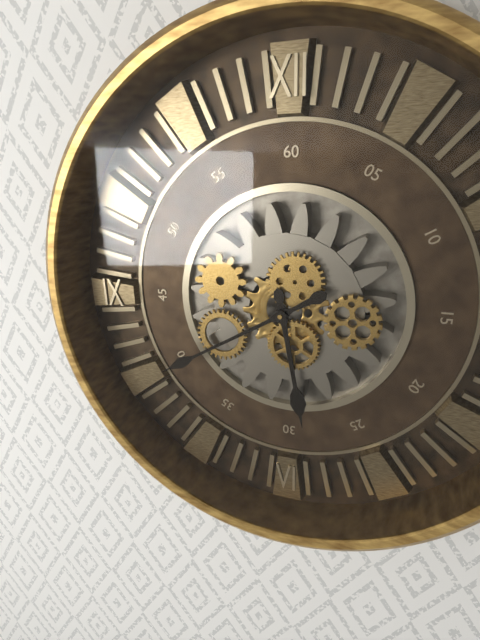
{"hour": 5, "minute": 40}
